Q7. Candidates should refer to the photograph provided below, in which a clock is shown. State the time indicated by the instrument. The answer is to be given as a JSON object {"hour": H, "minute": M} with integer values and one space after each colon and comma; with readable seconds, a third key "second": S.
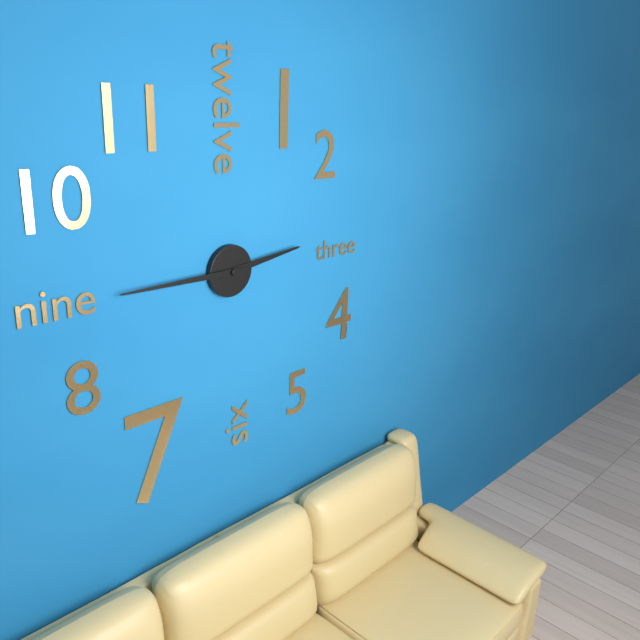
{"hour": 2, "minute": 45}
